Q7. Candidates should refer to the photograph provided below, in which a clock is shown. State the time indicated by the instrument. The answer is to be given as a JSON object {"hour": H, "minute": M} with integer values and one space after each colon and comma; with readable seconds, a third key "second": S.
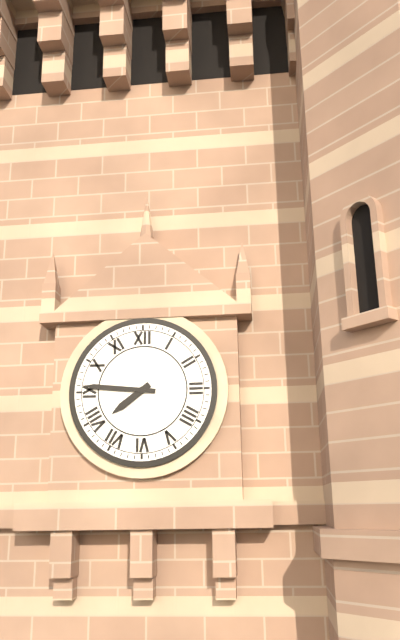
{"hour": 7, "minute": 46}
